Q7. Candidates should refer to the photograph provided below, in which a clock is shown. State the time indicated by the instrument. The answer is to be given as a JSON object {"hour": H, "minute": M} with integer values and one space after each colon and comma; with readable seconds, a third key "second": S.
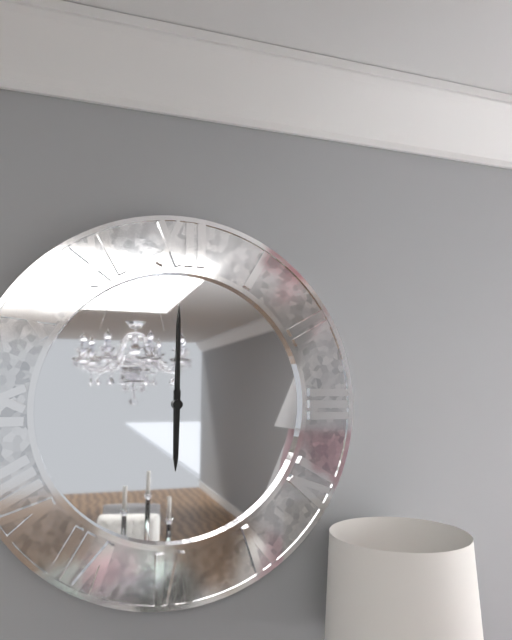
{"hour": 6, "minute": 0}
